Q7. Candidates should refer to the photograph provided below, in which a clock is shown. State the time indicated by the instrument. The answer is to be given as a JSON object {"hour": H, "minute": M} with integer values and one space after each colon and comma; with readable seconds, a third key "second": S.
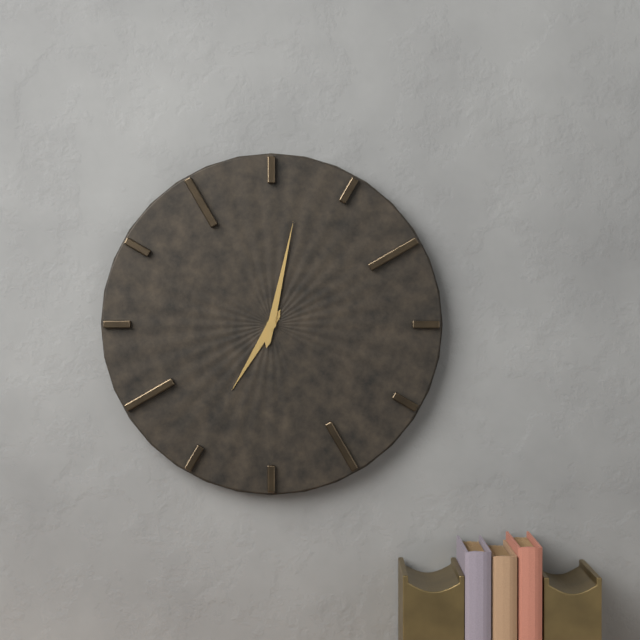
{"hour": 7, "minute": 2}
